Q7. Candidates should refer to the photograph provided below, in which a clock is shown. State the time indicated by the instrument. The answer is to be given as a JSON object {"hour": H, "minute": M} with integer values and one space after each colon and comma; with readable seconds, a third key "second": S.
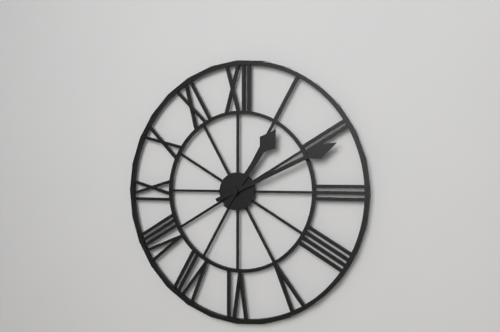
{"hour": 1, "minute": 11}
